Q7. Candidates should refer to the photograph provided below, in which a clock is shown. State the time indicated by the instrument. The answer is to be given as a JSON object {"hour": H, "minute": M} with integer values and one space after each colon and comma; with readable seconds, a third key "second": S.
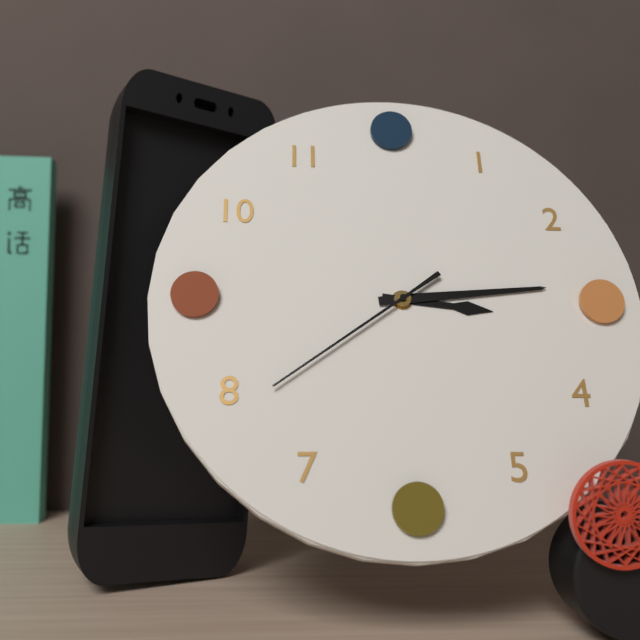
{"hour": 3, "minute": 14, "second": 39}
